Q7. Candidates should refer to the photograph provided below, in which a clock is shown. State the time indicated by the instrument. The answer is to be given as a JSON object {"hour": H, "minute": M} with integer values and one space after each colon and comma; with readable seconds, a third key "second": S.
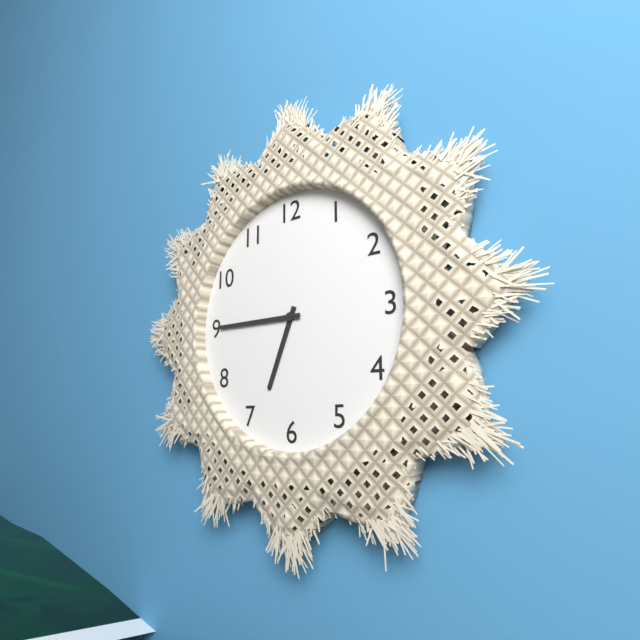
{"hour": 6, "minute": 45}
